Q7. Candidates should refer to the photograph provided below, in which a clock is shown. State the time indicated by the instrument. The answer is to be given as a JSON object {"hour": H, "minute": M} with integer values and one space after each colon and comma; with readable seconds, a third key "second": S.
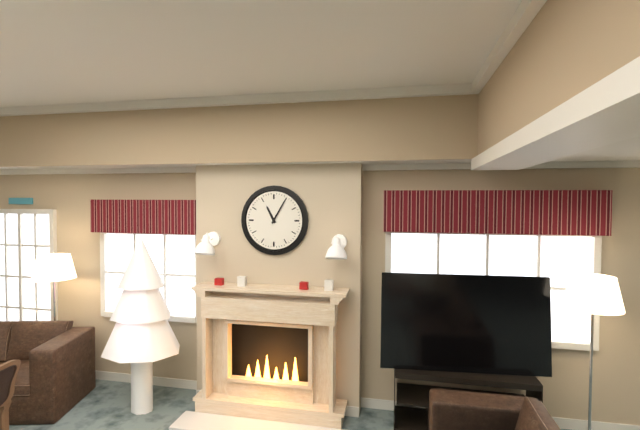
{"hour": 11, "minute": 5}
